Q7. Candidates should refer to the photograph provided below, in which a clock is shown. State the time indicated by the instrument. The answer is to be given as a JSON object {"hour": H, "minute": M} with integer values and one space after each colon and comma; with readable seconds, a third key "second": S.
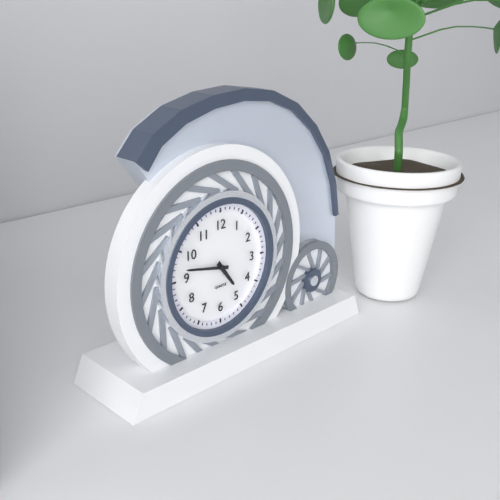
{"hour": 4, "minute": 47}
